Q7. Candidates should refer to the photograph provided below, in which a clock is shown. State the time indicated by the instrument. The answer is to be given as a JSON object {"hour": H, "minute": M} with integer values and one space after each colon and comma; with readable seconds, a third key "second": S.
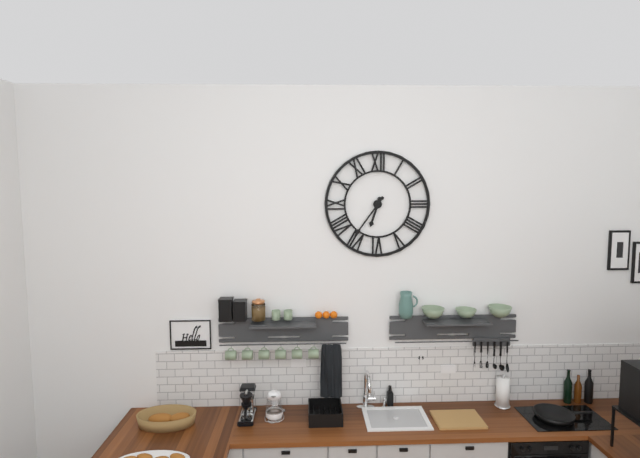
{"hour": 6, "minute": 36}
